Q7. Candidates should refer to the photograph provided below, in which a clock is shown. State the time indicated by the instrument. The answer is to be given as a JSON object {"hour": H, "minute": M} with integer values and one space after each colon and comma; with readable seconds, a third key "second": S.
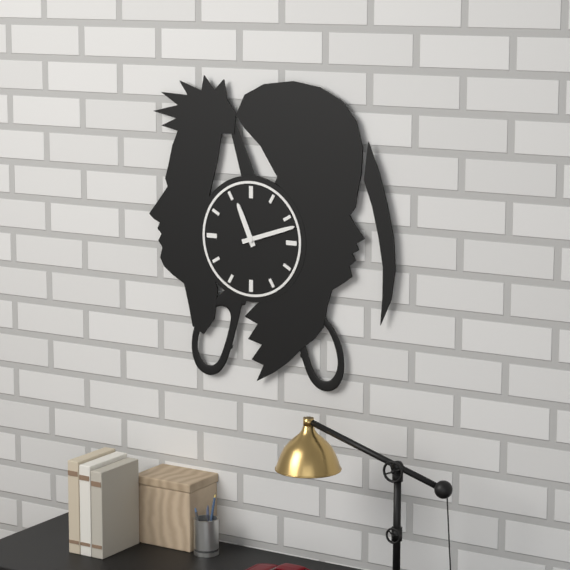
{"hour": 11, "minute": 12}
